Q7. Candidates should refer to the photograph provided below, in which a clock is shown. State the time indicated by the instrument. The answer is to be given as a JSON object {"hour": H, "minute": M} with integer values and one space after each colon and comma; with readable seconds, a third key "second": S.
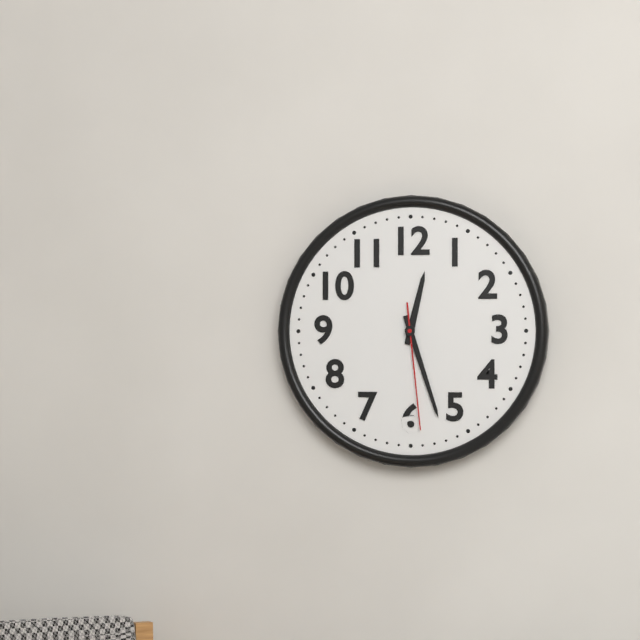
{"hour": 12, "minute": 27, "second": 29}
